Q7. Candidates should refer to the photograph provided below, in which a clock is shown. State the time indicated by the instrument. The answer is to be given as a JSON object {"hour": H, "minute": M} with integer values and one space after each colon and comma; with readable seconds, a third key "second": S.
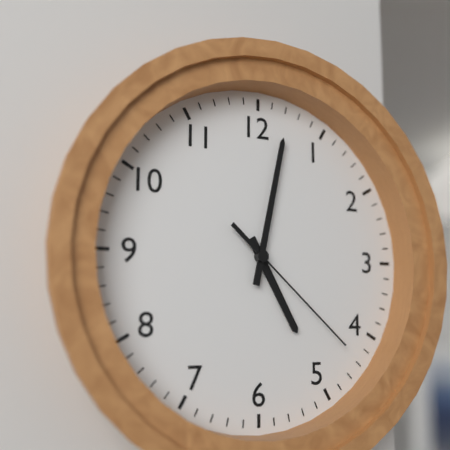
{"hour": 5, "minute": 2, "second": 22}
